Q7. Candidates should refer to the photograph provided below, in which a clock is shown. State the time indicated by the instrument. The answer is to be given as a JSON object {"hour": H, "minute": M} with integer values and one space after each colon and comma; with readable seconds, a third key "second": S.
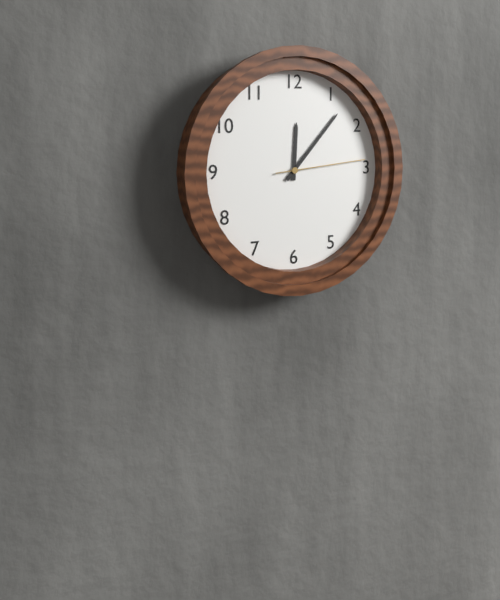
{"hour": 12, "minute": 7, "second": 14}
